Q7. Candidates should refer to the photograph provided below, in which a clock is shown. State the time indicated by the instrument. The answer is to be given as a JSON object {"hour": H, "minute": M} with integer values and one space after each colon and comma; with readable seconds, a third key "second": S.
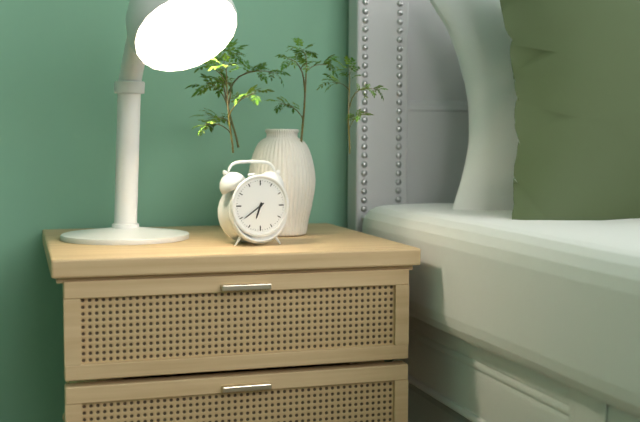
{"hour": 6, "minute": 39}
